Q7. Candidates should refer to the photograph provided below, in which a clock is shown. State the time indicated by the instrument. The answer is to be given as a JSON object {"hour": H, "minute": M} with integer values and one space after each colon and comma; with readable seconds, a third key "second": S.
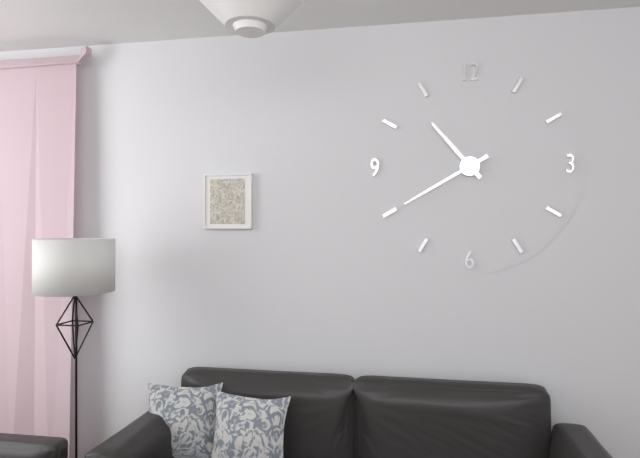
{"hour": 10, "minute": 40}
